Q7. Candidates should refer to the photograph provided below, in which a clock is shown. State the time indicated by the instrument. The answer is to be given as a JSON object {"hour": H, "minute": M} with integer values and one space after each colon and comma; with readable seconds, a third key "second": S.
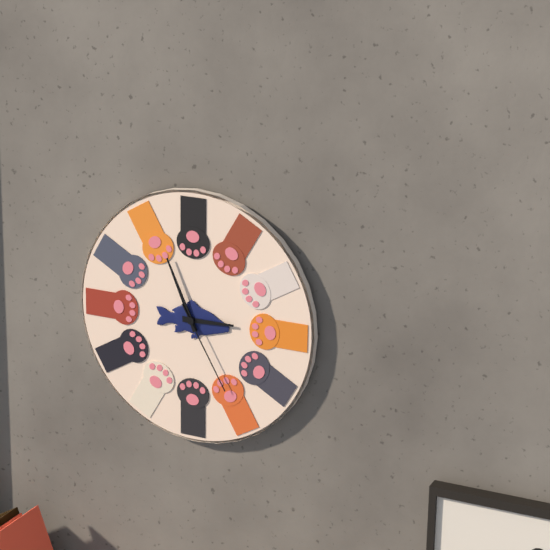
{"hour": 2, "minute": 56, "second": 25}
